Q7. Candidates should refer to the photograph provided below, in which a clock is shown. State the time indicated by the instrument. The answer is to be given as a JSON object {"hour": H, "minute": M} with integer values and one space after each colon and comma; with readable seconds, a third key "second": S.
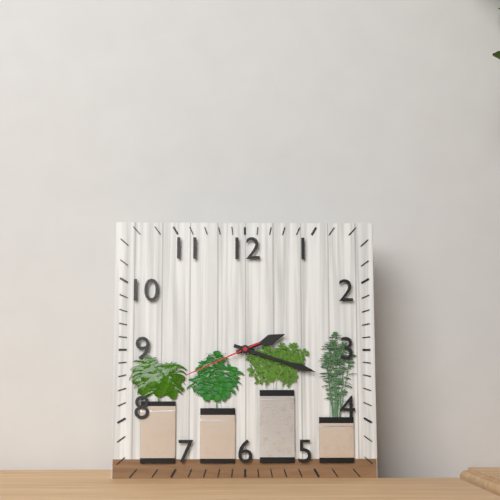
{"hour": 2, "minute": 18, "second": 41}
